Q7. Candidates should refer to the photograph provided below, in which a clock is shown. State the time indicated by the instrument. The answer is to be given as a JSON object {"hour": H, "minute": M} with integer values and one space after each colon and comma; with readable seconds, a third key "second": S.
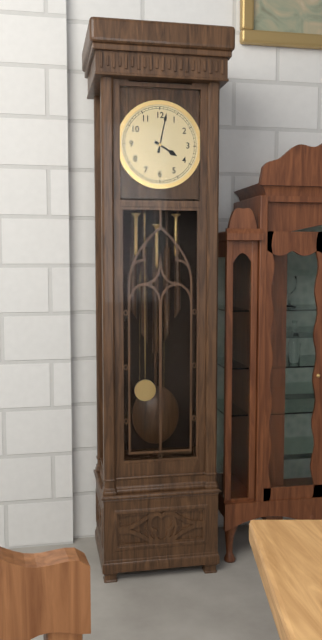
{"hour": 4, "minute": 2}
